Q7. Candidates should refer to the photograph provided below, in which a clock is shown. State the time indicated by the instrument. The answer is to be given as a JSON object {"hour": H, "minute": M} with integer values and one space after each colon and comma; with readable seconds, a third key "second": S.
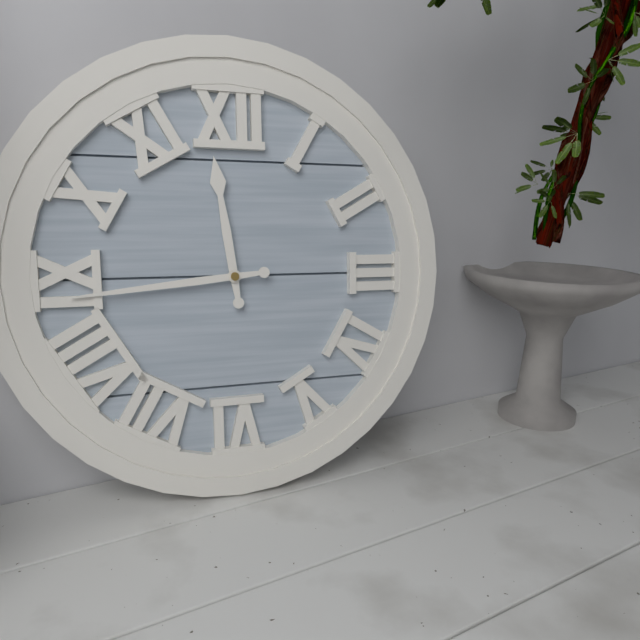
{"hour": 11, "minute": 44}
